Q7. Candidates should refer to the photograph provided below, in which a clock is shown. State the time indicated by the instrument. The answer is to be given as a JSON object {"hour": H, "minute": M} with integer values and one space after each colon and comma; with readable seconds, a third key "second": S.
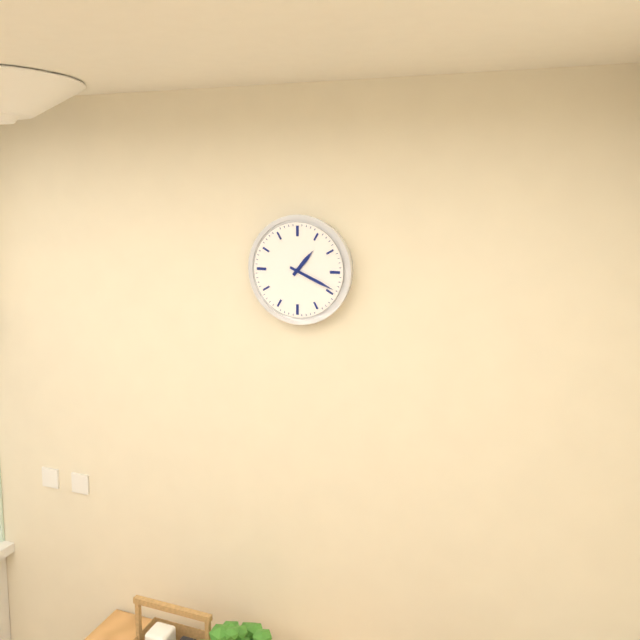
{"hour": 1, "minute": 19}
